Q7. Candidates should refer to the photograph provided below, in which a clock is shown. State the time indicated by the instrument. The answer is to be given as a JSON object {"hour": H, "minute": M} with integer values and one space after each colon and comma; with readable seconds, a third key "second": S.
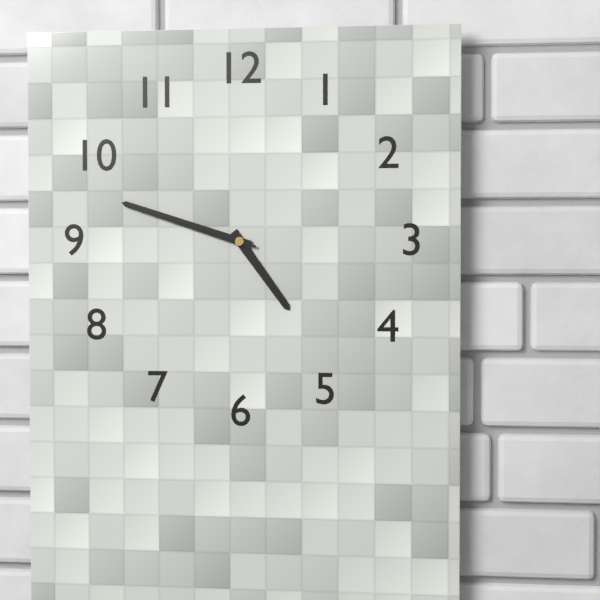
{"hour": 4, "minute": 48, "second": 48}
